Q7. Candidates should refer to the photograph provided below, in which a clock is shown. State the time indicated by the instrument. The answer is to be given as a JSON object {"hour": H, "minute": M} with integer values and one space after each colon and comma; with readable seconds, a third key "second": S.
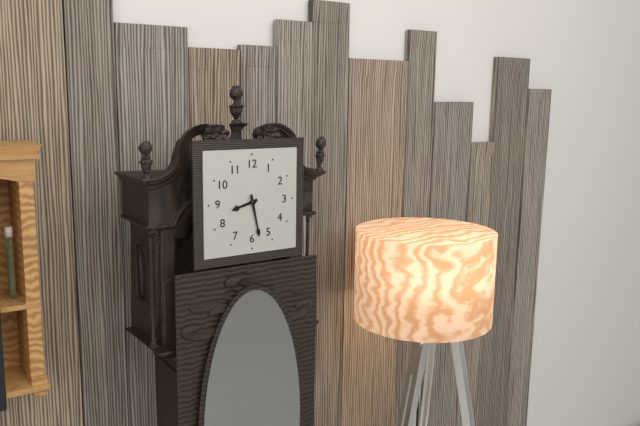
{"hour": 8, "minute": 28}
